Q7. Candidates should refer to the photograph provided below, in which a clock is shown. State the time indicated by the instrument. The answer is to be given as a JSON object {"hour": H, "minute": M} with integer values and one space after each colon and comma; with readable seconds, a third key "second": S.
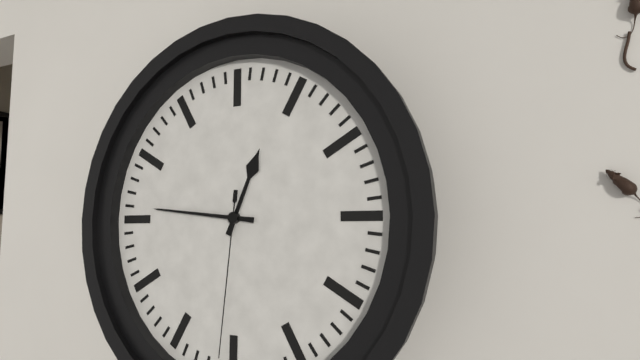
{"hour": 12, "minute": 46, "second": 31}
